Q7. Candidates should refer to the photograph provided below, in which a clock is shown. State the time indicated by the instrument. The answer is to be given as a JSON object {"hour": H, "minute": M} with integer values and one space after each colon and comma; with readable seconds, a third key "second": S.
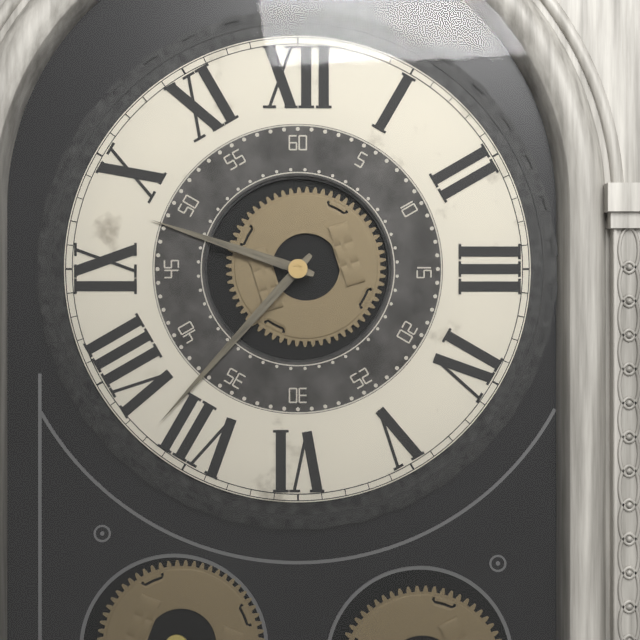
{"hour": 9, "minute": 37}
